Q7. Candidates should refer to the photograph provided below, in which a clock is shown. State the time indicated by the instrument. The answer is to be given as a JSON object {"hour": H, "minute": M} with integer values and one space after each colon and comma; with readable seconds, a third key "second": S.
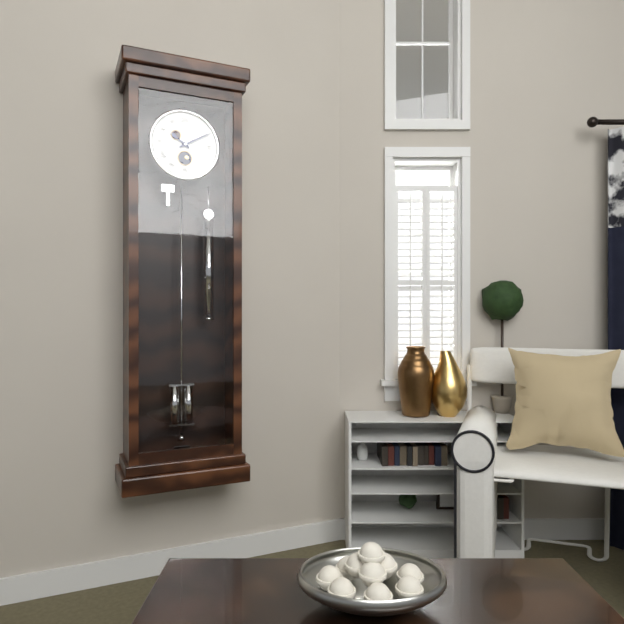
{"hour": 10, "minute": 10}
